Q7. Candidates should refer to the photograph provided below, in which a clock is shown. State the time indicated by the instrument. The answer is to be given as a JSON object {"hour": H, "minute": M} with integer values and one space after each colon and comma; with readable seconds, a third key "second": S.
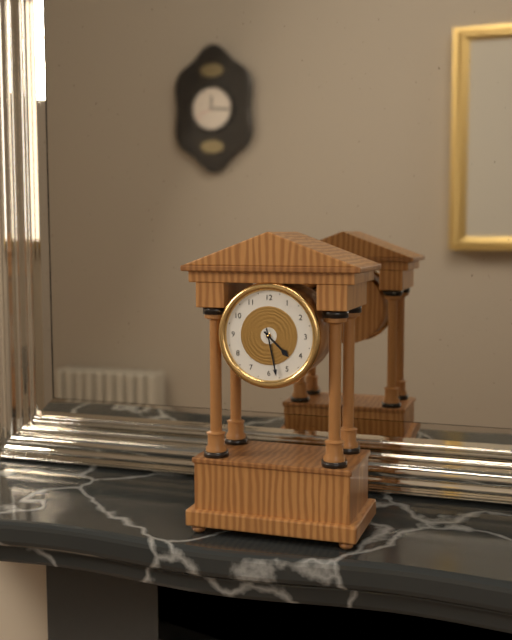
{"hour": 4, "minute": 28}
